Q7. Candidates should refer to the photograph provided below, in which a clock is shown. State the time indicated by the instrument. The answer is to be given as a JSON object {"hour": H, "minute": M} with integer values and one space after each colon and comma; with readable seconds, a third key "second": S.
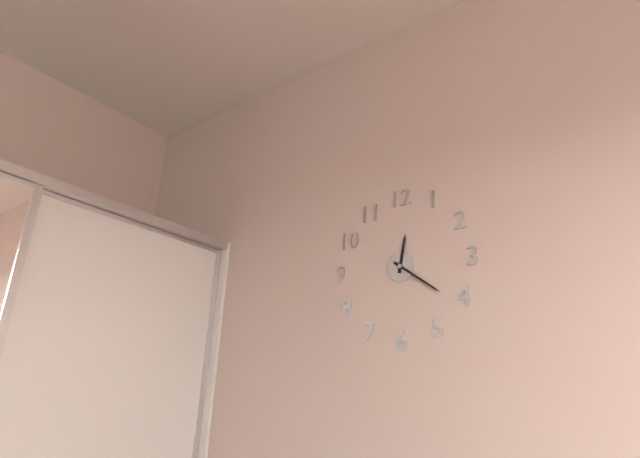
{"hour": 12, "minute": 21}
